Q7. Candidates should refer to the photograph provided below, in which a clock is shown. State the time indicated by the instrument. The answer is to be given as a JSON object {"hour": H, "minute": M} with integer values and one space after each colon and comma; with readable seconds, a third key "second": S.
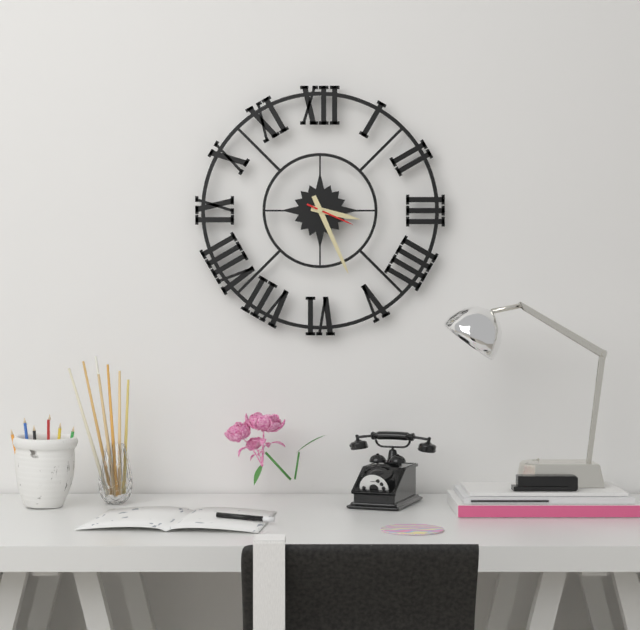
{"hour": 3, "minute": 26}
